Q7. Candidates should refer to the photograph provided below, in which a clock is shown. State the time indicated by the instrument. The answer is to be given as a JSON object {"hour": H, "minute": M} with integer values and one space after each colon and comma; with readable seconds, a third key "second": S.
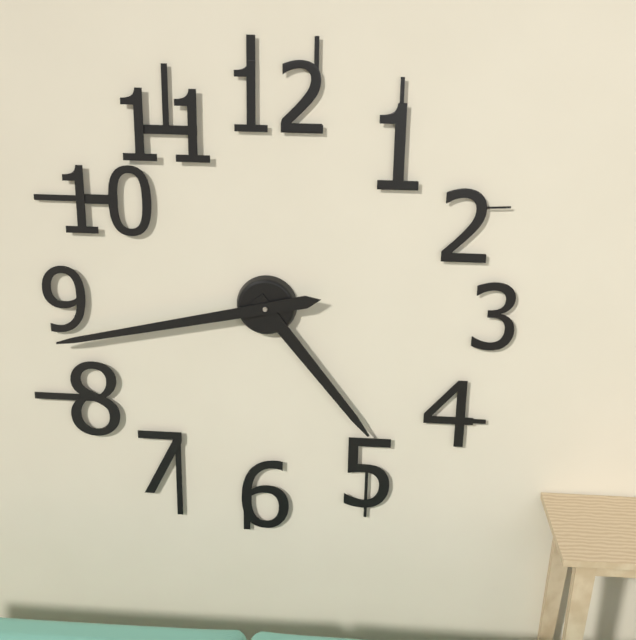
{"hour": 4, "minute": 43}
